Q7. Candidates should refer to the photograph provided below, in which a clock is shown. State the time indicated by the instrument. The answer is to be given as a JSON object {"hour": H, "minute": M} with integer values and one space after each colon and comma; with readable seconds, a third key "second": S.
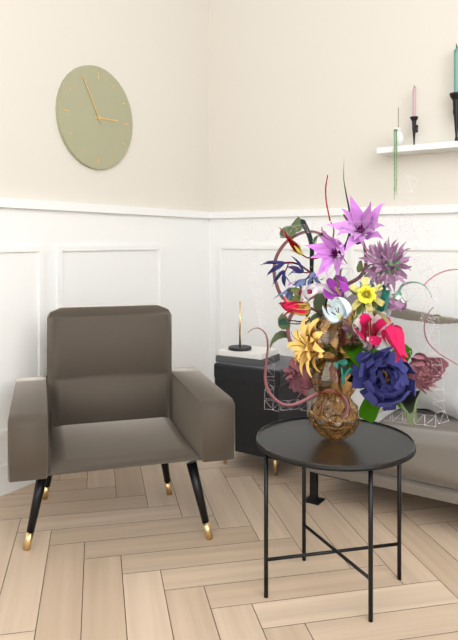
{"hour": 2, "minute": 55}
